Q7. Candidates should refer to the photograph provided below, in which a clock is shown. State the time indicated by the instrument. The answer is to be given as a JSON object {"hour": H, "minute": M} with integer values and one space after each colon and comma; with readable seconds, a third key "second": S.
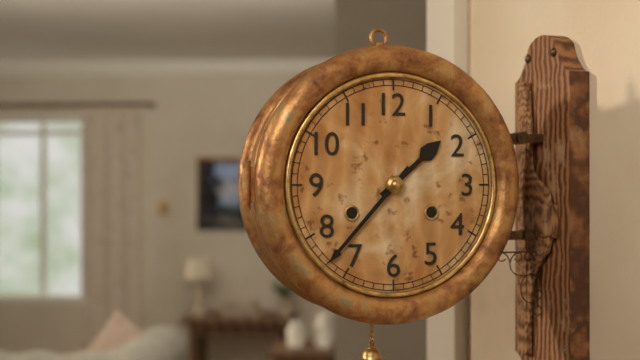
{"hour": 1, "minute": 37}
